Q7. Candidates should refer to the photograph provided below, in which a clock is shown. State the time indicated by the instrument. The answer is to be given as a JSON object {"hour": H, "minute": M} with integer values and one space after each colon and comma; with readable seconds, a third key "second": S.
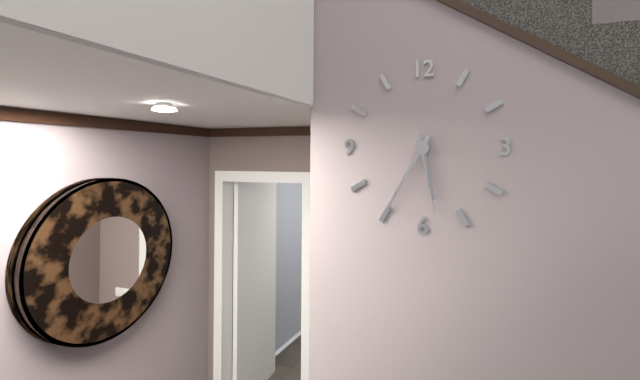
{"hour": 5, "minute": 35, "second": 28}
